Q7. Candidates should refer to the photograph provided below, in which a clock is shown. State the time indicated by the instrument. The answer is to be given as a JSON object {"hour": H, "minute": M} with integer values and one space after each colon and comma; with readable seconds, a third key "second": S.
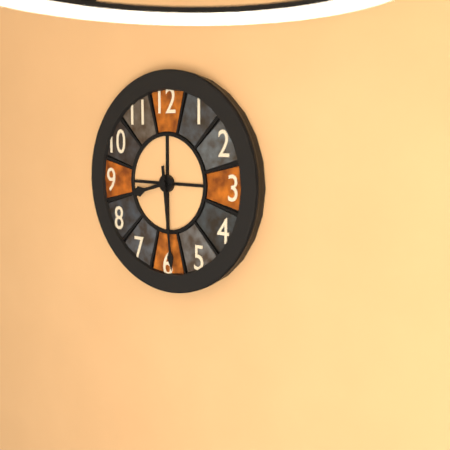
{"hour": 8, "minute": 29}
